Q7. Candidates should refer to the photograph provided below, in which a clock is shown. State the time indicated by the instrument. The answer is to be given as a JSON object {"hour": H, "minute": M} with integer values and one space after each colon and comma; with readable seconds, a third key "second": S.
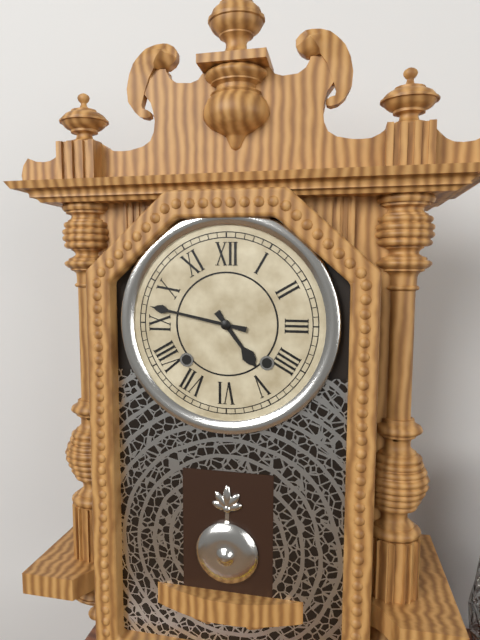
{"hour": 4, "minute": 47}
